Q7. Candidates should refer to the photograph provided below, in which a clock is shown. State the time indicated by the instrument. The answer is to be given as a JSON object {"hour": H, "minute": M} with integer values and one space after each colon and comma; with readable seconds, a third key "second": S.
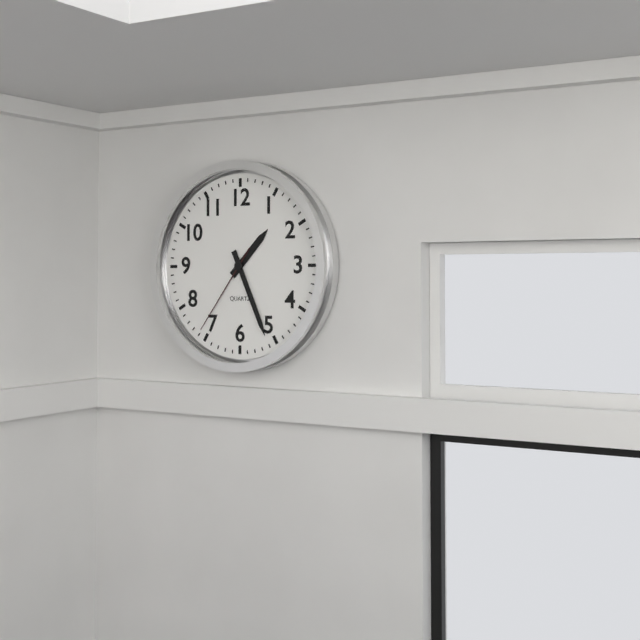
{"hour": 1, "minute": 26, "second": 36}
